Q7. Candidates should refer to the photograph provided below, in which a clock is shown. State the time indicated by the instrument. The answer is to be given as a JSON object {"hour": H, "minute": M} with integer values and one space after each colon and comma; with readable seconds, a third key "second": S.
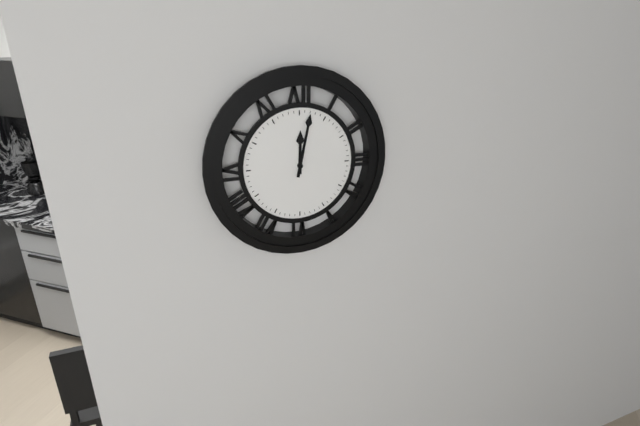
{"hour": 12, "minute": 2}
